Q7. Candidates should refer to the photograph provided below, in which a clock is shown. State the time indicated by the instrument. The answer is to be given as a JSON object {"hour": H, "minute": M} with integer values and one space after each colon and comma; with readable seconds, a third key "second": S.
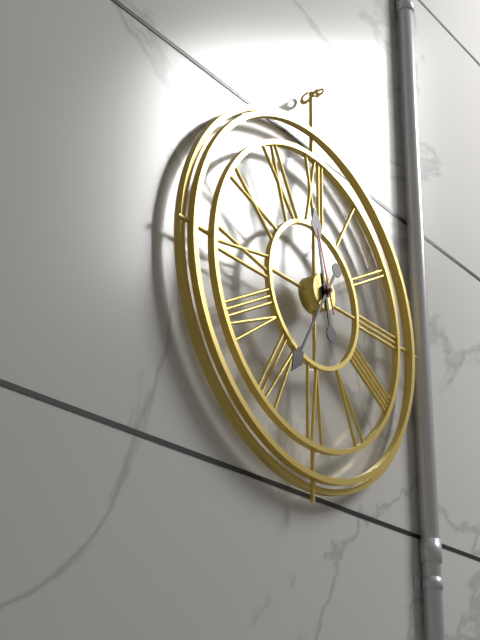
{"hour": 11, "minute": 35, "second": 57}
